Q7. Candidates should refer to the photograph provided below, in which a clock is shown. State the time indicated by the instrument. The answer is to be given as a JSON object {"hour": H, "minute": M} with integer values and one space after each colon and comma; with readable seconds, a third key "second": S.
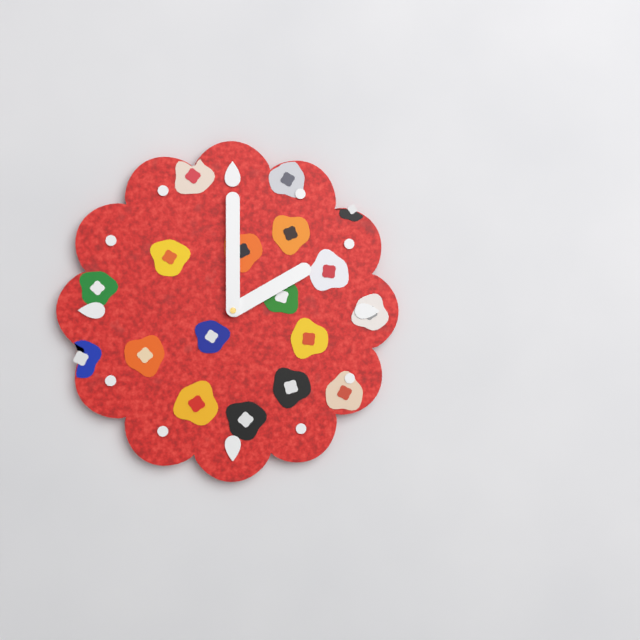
{"hour": 2, "minute": 0}
